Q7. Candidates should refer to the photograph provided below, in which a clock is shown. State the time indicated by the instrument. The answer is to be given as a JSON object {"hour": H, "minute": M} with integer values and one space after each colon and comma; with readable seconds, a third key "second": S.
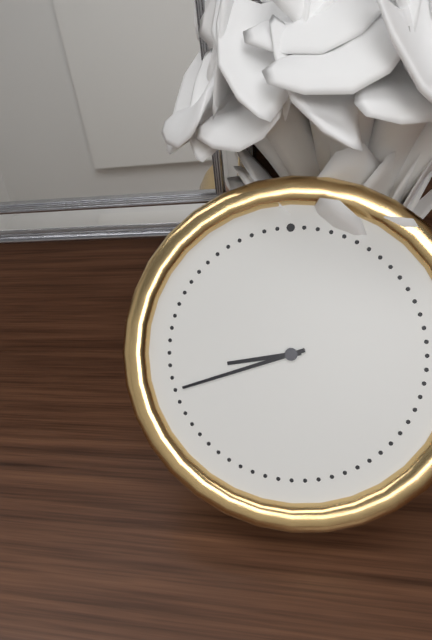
{"hour": 8, "minute": 42}
